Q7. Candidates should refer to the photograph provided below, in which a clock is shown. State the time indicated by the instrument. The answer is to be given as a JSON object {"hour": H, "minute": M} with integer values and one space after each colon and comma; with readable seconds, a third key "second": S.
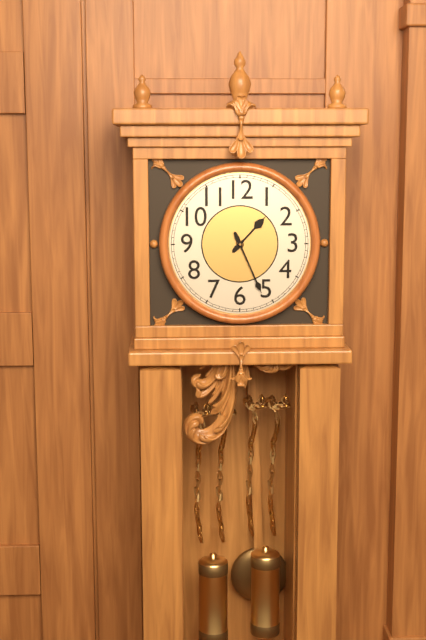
{"hour": 1, "minute": 26}
